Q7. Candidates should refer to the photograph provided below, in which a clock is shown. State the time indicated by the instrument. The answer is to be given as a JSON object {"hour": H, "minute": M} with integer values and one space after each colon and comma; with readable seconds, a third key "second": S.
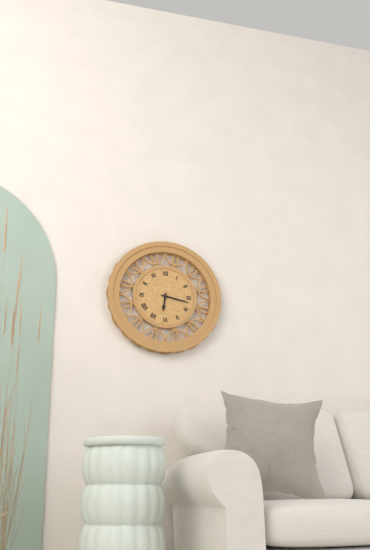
{"hour": 6, "minute": 17}
